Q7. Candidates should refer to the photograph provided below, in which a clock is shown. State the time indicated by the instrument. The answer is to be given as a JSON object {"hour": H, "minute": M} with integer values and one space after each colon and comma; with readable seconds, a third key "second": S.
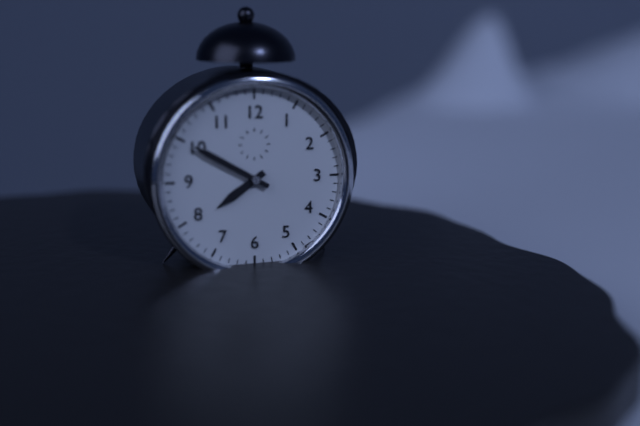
{"hour": 7, "minute": 50}
